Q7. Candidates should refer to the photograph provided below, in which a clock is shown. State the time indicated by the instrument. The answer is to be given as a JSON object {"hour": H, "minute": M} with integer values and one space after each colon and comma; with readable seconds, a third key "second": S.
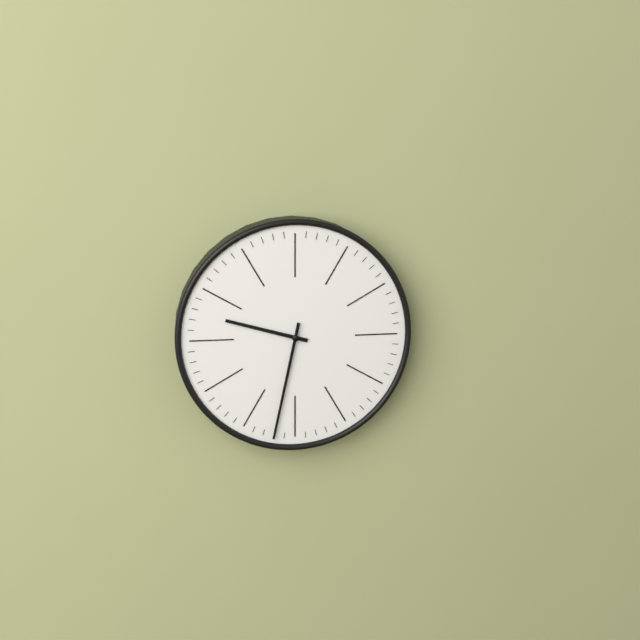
{"hour": 9, "minute": 32}
